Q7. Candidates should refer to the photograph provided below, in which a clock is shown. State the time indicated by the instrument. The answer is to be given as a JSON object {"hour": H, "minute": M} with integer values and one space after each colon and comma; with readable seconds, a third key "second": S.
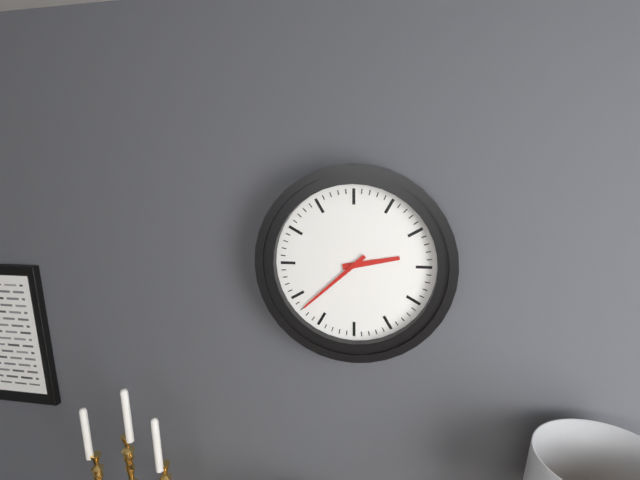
{"hour": 2, "minute": 38}
